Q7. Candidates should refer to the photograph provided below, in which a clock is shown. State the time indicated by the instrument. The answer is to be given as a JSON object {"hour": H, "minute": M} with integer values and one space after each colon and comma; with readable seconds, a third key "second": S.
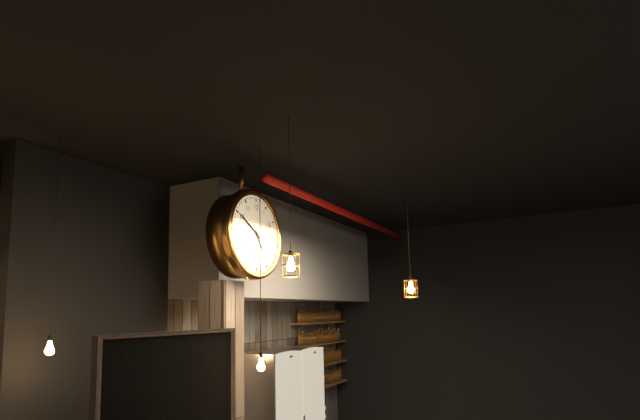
{"hour": 4, "minute": 50}
